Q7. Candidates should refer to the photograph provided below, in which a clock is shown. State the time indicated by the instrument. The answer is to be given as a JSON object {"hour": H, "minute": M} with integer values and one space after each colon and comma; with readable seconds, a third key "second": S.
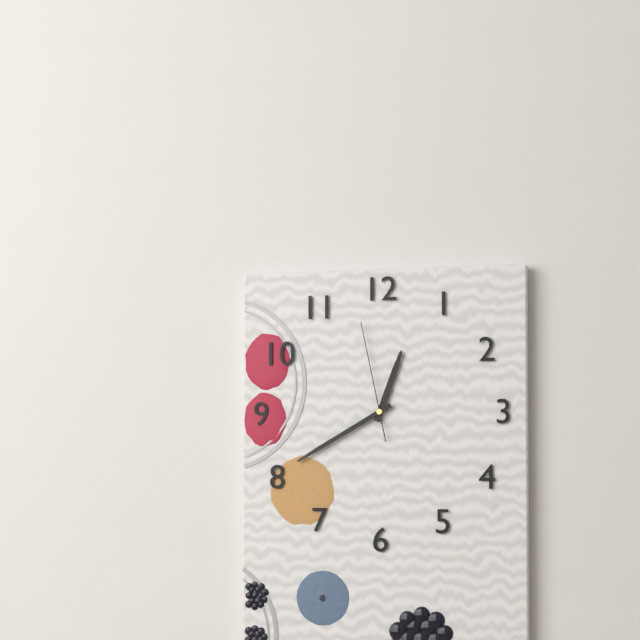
{"hour": 12, "minute": 40, "second": 58}
